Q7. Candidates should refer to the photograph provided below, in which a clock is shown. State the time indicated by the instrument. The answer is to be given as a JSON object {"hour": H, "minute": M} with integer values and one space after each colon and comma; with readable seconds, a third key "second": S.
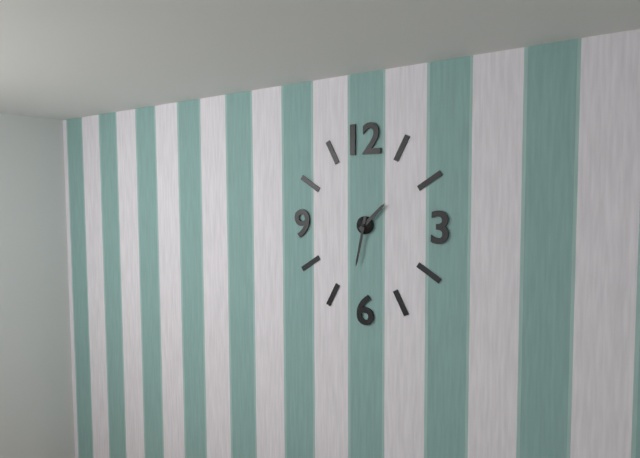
{"hour": 1, "minute": 32}
